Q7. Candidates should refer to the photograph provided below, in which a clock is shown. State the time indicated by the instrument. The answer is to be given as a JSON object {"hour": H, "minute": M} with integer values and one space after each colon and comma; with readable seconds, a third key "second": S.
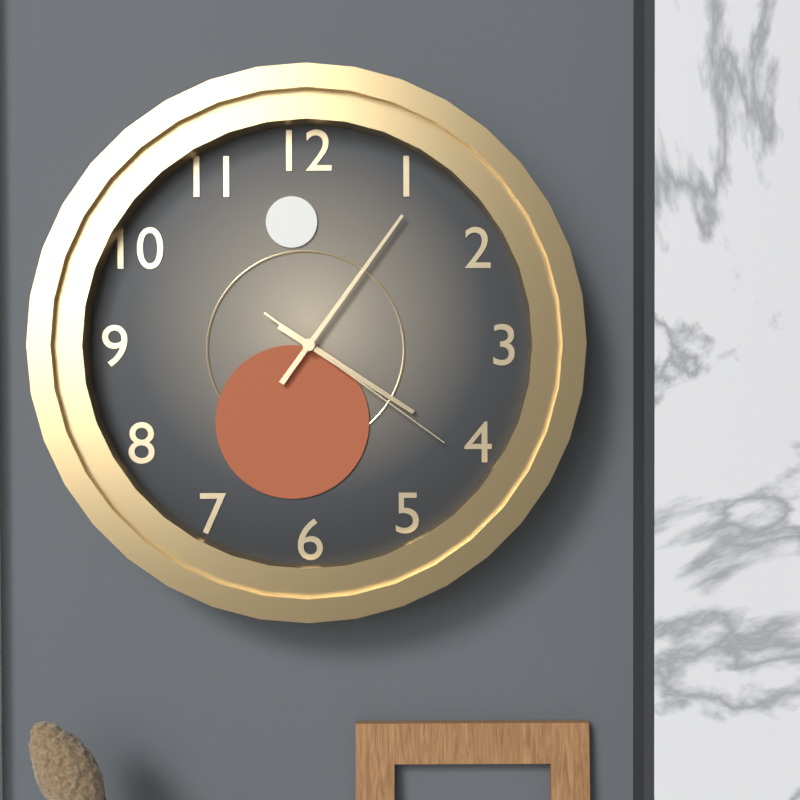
{"hour": 4, "minute": 6, "second": 21}
